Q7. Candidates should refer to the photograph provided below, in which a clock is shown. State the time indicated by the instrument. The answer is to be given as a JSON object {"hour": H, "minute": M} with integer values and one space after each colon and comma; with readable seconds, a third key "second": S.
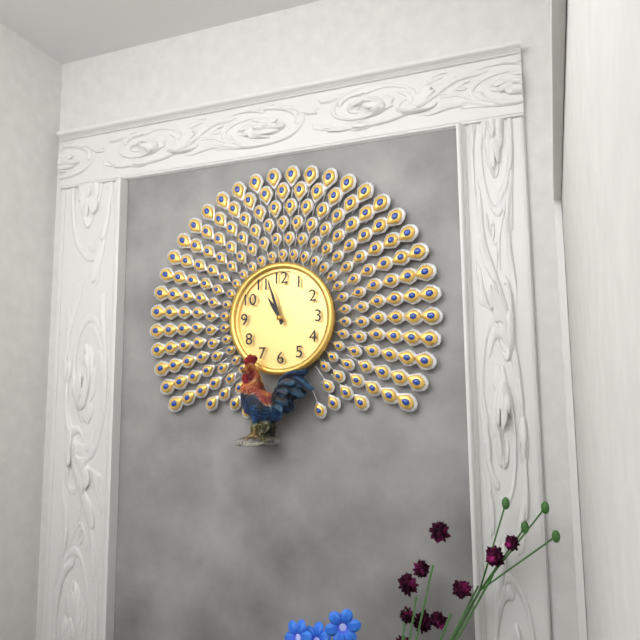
{"hour": 10, "minute": 57}
